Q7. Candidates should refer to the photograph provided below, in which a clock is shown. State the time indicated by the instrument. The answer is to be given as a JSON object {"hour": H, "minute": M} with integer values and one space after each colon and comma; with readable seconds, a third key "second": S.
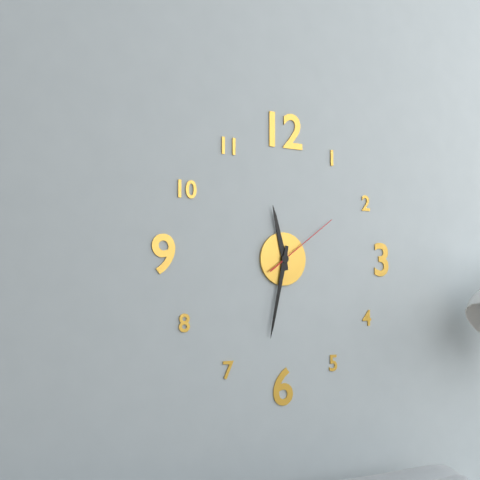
{"hour": 11, "minute": 32, "second": 9}
